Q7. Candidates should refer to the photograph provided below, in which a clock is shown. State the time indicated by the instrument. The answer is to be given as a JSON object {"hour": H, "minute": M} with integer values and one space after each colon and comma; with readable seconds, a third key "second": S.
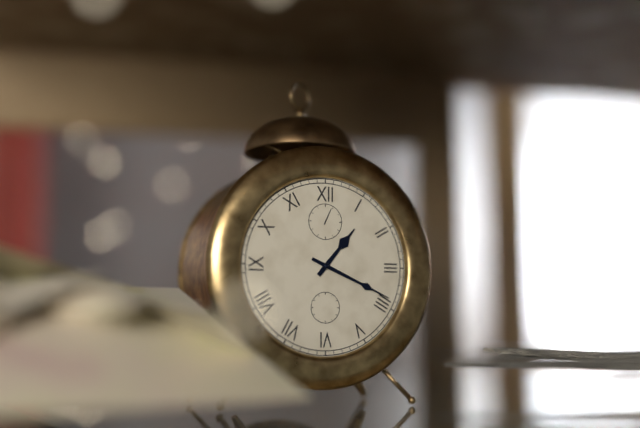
{"hour": 1, "minute": 19}
